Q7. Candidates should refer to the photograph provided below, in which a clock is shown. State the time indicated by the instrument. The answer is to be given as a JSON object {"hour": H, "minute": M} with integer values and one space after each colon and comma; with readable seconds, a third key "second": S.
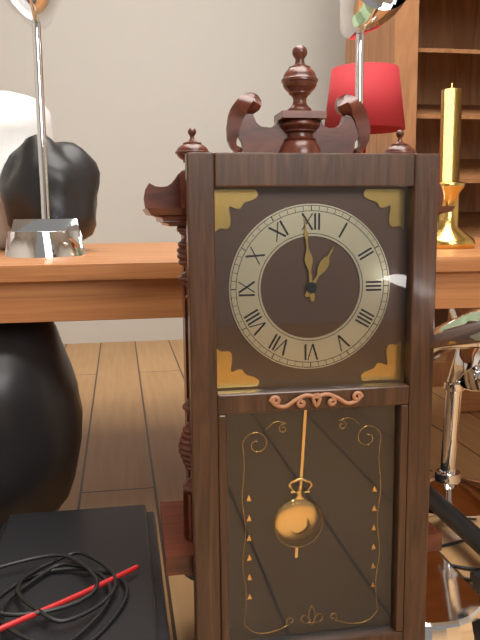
{"hour": 12, "minute": 59}
